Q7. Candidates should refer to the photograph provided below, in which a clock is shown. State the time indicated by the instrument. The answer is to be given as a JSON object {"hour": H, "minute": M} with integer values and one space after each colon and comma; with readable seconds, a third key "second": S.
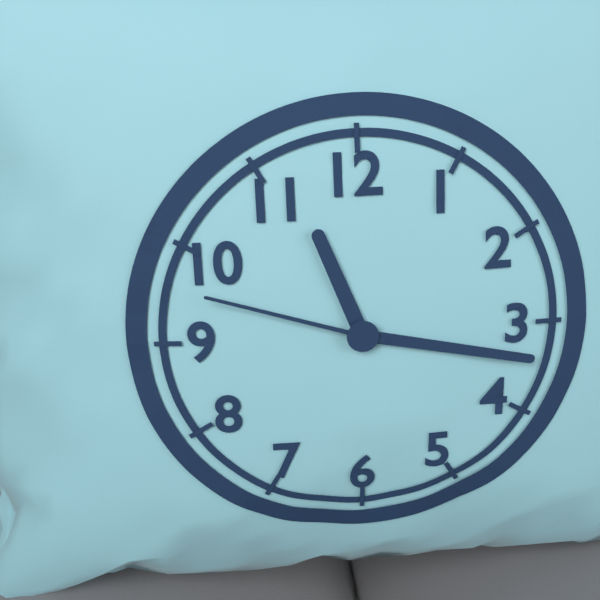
{"hour": 11, "minute": 17, "second": 48}
